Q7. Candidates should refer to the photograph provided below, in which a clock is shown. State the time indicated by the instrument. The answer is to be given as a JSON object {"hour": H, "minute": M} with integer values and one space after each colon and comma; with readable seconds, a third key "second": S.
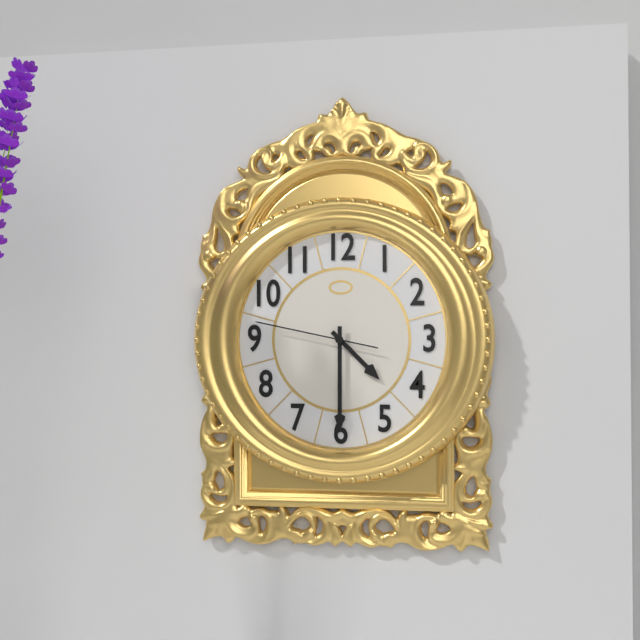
{"hour": 4, "minute": 30, "second": 47}
